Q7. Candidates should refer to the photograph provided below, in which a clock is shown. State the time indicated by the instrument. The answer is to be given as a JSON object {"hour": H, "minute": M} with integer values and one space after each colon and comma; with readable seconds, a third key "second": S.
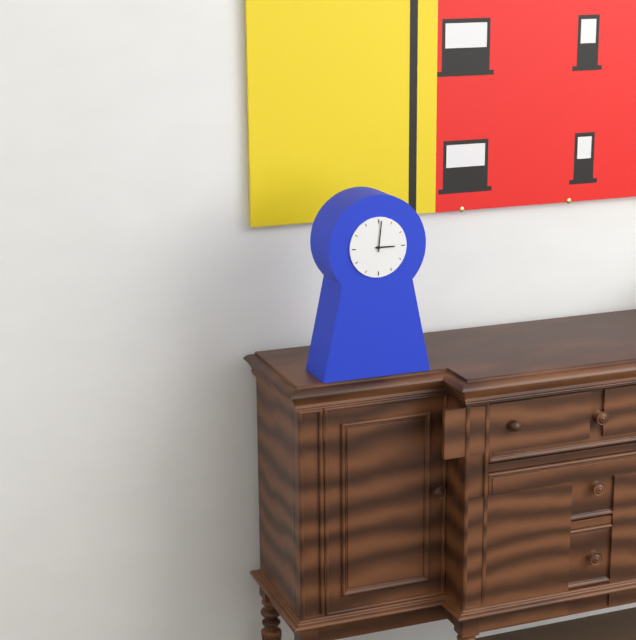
{"hour": 3, "minute": 1}
